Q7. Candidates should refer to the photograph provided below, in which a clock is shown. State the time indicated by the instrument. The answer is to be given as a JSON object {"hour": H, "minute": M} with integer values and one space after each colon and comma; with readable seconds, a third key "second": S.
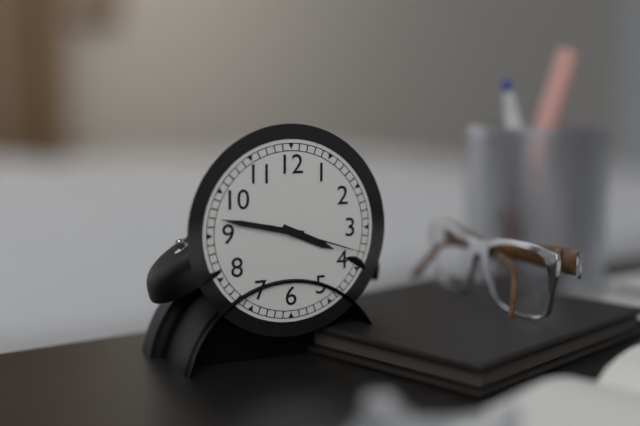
{"hour": 3, "minute": 47, "second": 18}
